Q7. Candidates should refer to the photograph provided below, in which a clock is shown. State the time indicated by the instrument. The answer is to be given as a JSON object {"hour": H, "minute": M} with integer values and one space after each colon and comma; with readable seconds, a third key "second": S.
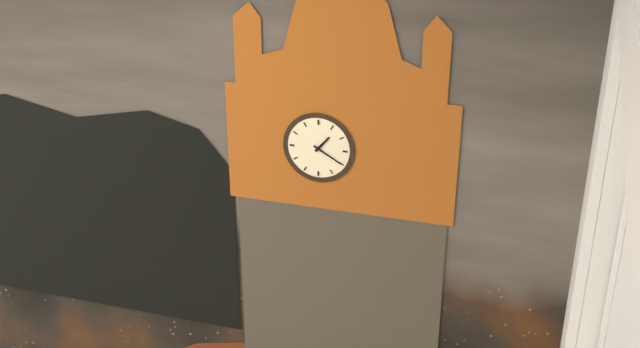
{"hour": 1, "minute": 20}
